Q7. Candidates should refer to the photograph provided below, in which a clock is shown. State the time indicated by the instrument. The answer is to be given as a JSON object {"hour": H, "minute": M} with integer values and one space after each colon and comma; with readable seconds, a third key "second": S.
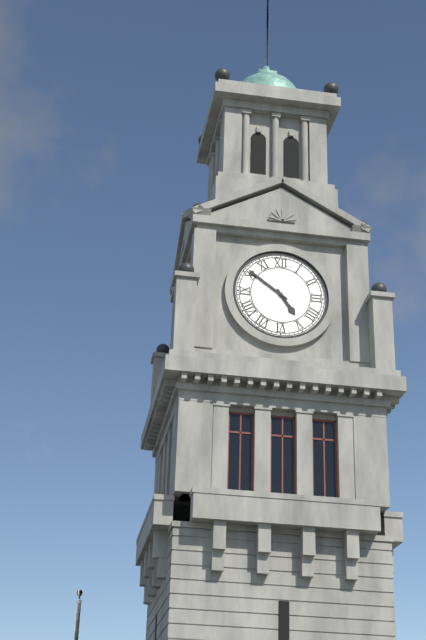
{"hour": 4, "minute": 51}
